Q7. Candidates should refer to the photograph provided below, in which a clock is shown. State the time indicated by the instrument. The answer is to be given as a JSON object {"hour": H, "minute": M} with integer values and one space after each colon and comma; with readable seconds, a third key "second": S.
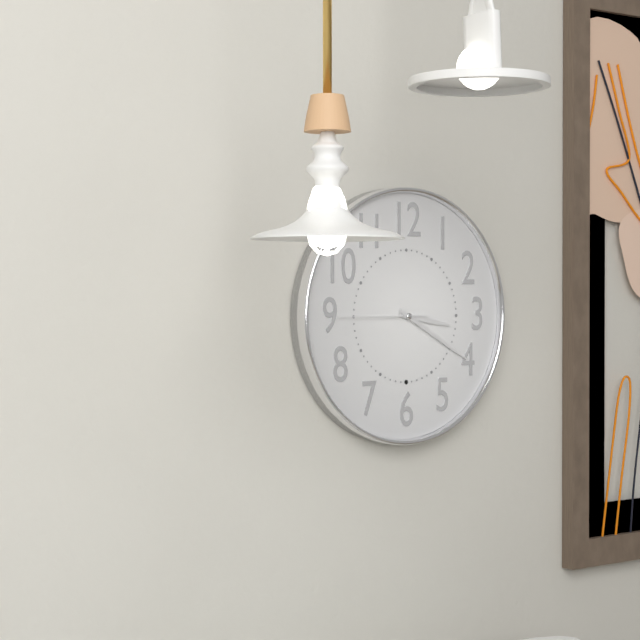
{"hour": 3, "minute": 20, "second": 45}
